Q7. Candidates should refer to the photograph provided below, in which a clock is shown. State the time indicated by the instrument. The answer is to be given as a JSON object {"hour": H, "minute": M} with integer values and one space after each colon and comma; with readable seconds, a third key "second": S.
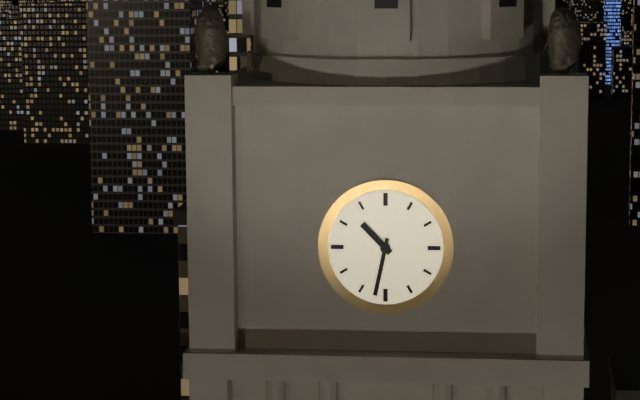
{"hour": 10, "minute": 32}
